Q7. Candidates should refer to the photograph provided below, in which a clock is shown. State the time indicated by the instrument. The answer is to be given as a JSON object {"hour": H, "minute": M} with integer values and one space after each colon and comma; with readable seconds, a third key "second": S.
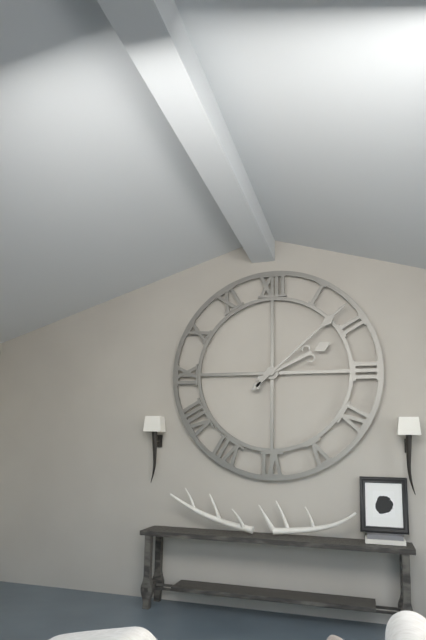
{"hour": 2, "minute": 8}
